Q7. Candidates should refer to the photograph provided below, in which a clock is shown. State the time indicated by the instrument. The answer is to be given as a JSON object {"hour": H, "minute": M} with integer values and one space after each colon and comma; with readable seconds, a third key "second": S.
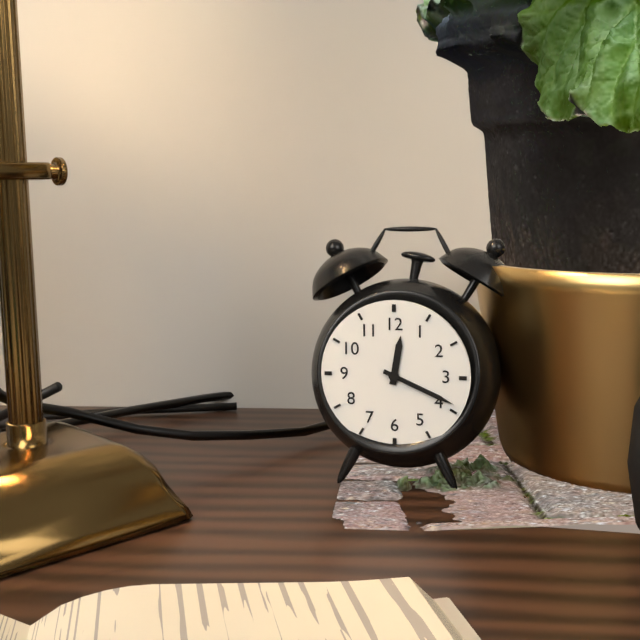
{"hour": 12, "minute": 19}
